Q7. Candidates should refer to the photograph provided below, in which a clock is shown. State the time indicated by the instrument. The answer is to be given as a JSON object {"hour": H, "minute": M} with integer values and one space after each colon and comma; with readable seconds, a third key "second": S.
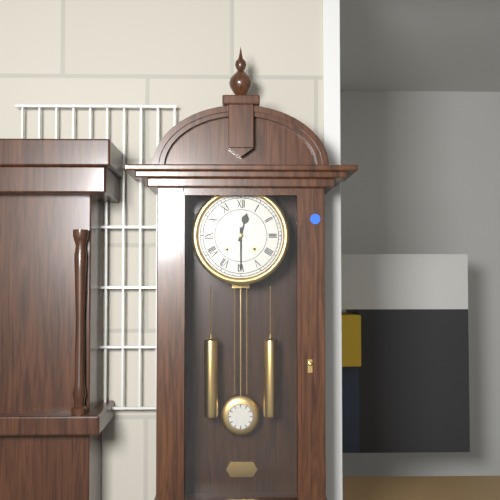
{"hour": 12, "minute": 30}
